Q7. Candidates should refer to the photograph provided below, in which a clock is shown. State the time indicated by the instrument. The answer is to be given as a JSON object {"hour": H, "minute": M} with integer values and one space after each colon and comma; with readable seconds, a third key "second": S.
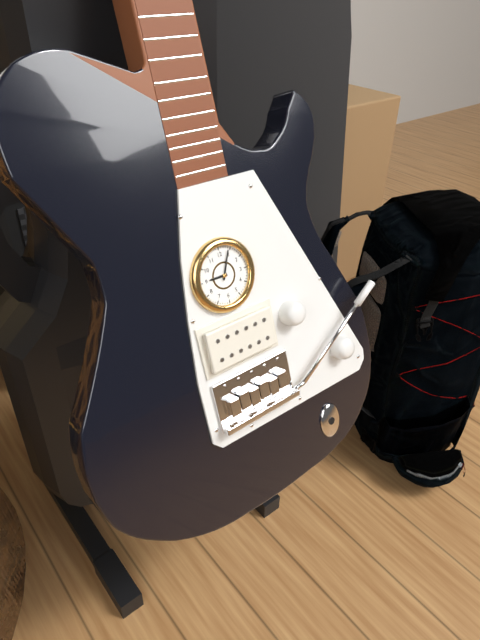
{"hour": 9, "minute": 4}
